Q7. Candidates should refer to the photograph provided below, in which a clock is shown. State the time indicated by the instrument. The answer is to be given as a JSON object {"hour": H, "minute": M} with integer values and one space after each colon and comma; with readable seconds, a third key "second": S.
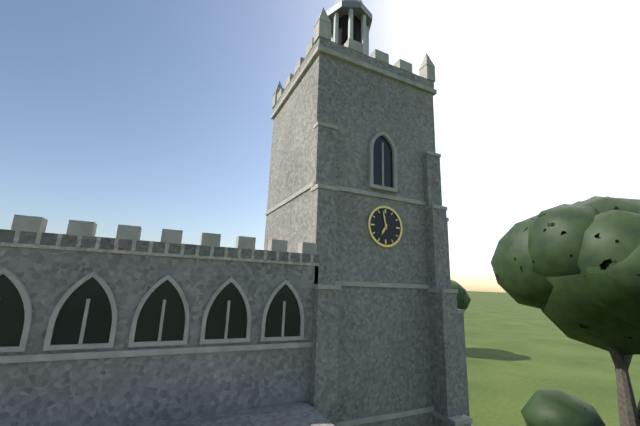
{"hour": 6, "minute": 58}
